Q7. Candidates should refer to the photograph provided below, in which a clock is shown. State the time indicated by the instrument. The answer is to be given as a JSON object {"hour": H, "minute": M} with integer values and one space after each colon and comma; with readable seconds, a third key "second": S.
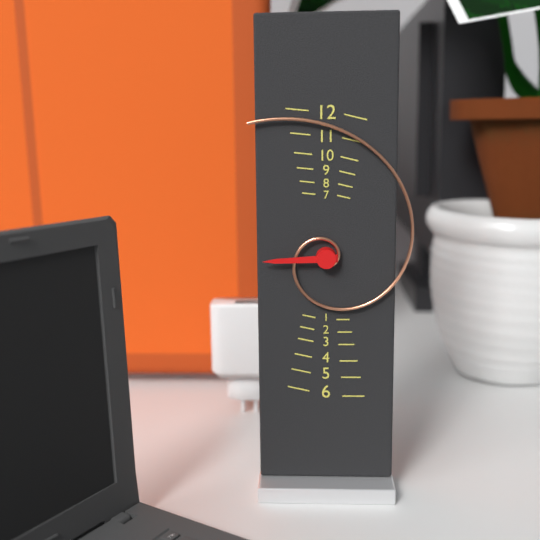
{"hour": 8, "minute": 55}
